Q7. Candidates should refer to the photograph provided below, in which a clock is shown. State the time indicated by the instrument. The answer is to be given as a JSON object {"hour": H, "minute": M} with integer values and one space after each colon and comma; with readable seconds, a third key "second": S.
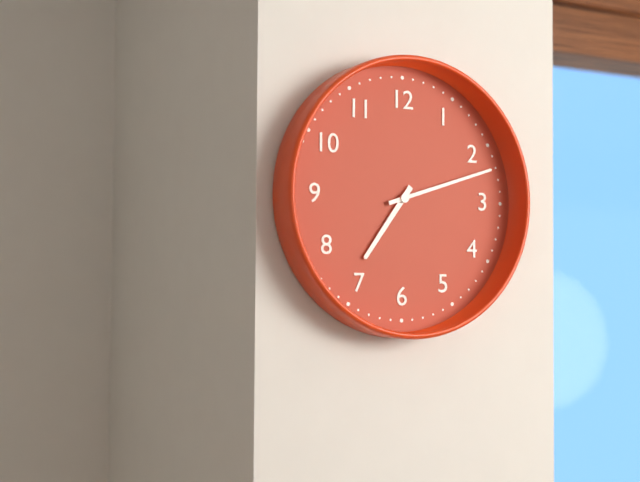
{"hour": 7, "minute": 12}
